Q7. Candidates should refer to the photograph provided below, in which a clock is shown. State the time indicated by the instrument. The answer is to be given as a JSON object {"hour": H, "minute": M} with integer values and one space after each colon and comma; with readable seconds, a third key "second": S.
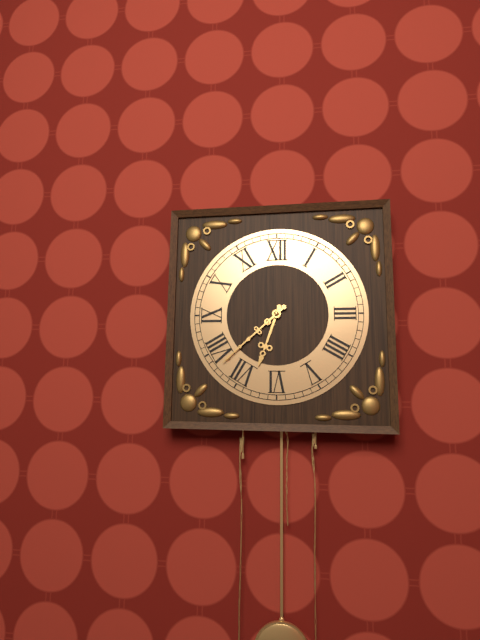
{"hour": 6, "minute": 38}
